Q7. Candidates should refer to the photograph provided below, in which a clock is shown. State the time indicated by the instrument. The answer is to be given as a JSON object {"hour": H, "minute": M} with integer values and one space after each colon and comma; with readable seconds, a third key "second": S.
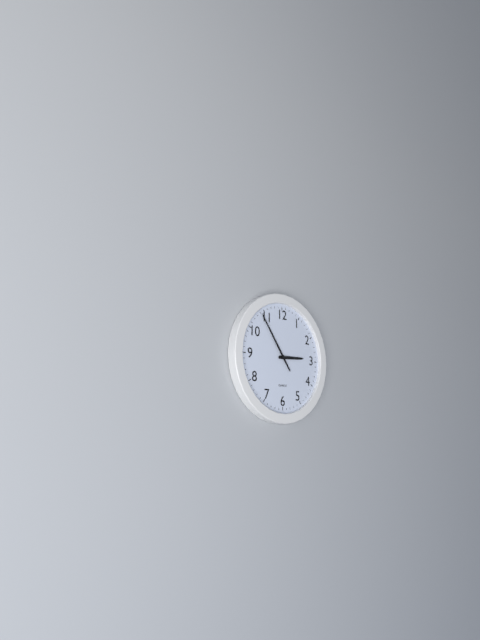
{"hour": 2, "minute": 54}
